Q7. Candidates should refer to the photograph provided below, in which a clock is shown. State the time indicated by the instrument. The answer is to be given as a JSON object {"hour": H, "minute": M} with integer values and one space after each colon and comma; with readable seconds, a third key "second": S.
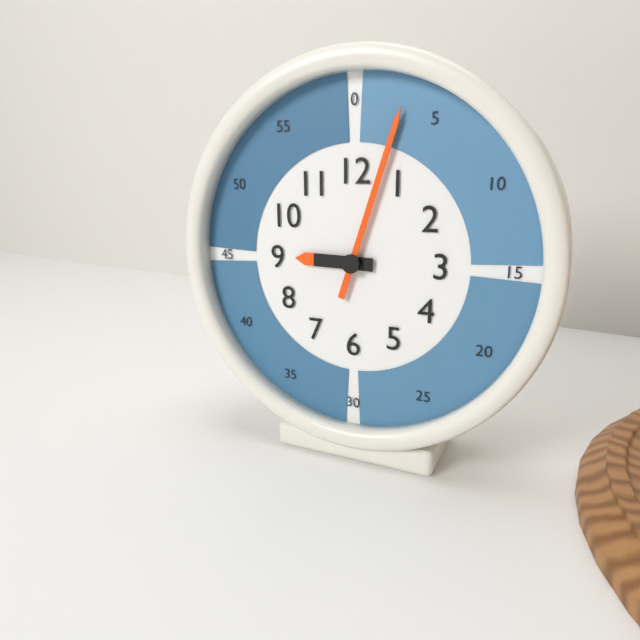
{"hour": 9, "minute": 3}
